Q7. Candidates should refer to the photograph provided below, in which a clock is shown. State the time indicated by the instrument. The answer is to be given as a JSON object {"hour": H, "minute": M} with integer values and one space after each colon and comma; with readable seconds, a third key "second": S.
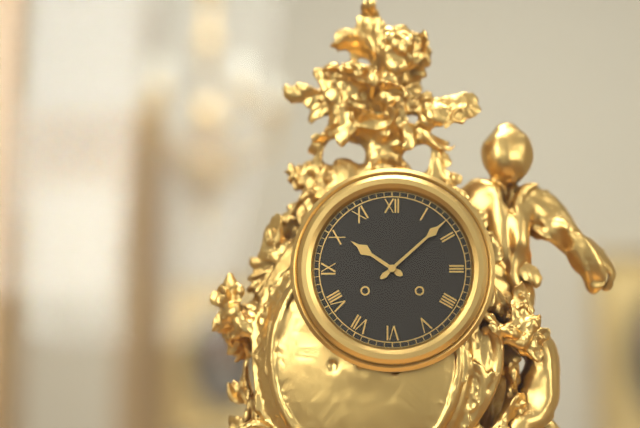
{"hour": 10, "minute": 8}
